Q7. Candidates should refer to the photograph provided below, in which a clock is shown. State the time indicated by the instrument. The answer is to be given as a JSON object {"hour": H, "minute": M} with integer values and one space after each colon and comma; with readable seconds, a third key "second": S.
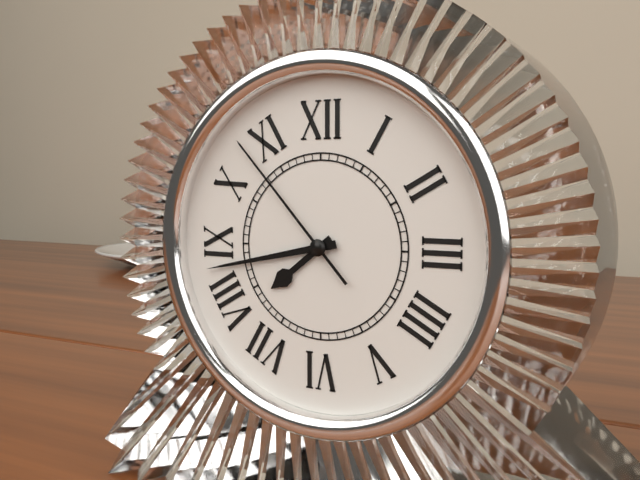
{"hour": 7, "minute": 43, "second": 53}
